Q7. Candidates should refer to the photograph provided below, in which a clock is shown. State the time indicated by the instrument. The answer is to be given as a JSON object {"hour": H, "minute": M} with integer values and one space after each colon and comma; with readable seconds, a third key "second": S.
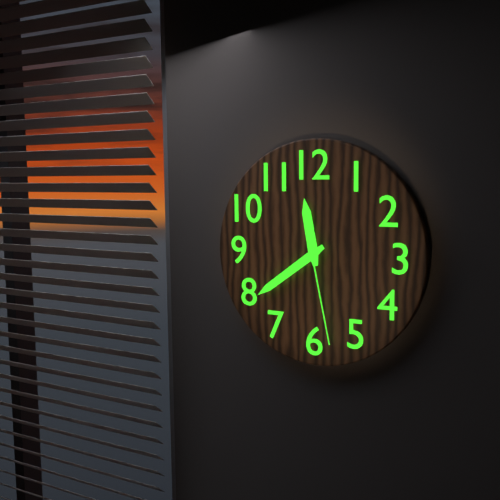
{"hour": 11, "minute": 39, "second": 28}
